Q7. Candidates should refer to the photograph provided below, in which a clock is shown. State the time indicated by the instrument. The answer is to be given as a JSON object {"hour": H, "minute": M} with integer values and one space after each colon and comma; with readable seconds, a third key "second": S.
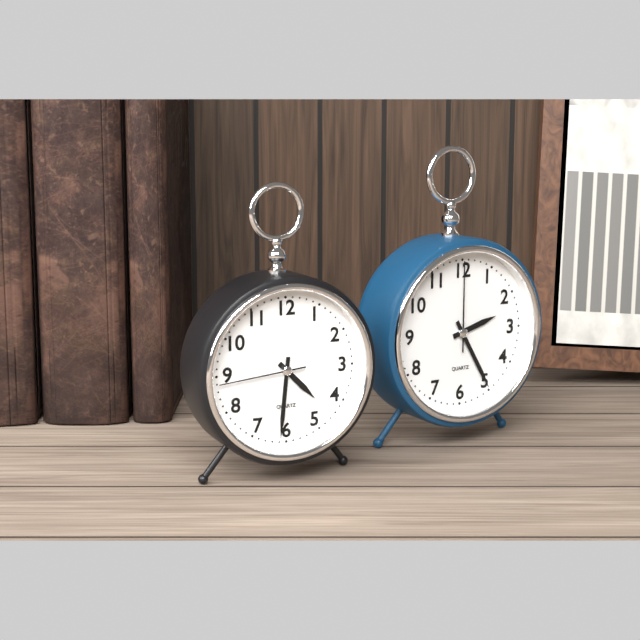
{"hour": 4, "minute": 31, "second": 44}
